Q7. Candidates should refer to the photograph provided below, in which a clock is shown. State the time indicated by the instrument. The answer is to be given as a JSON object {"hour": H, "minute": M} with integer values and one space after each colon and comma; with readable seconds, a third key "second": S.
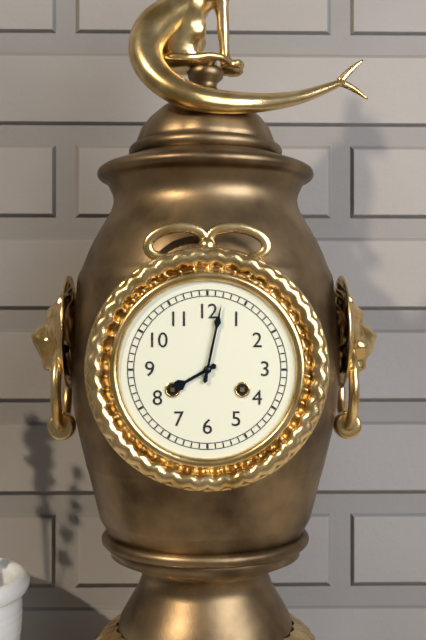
{"hour": 8, "minute": 2}
